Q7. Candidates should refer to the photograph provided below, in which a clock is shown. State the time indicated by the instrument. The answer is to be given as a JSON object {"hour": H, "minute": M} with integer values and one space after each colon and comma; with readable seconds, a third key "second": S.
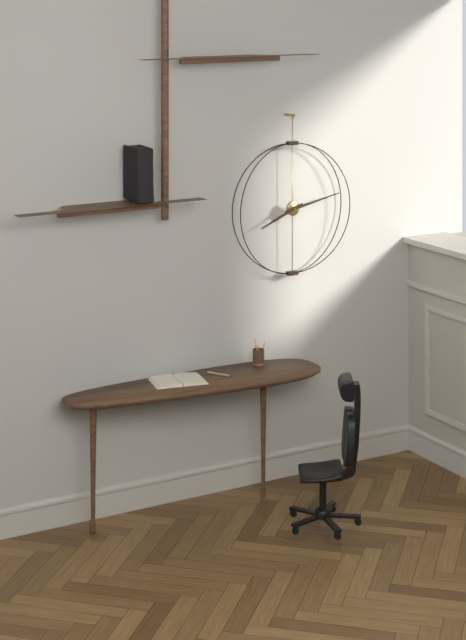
{"hour": 8, "minute": 13}
